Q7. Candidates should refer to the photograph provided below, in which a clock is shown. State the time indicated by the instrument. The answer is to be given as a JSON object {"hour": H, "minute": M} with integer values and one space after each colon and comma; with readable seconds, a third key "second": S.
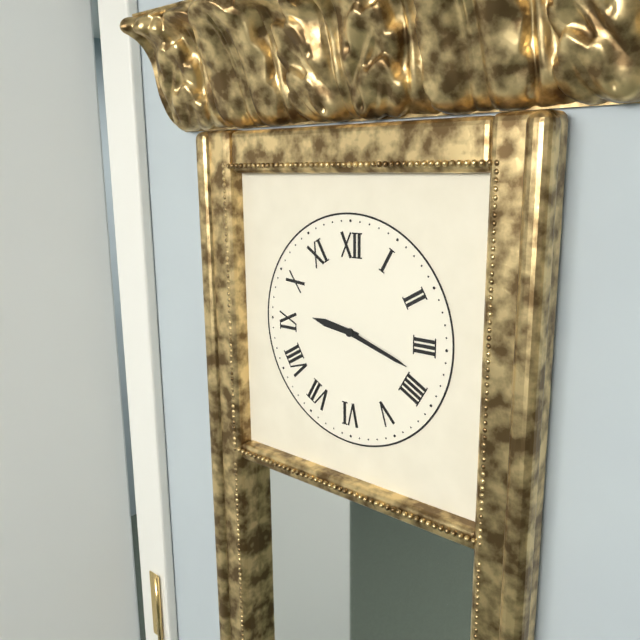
{"hour": 9, "minute": 18}
